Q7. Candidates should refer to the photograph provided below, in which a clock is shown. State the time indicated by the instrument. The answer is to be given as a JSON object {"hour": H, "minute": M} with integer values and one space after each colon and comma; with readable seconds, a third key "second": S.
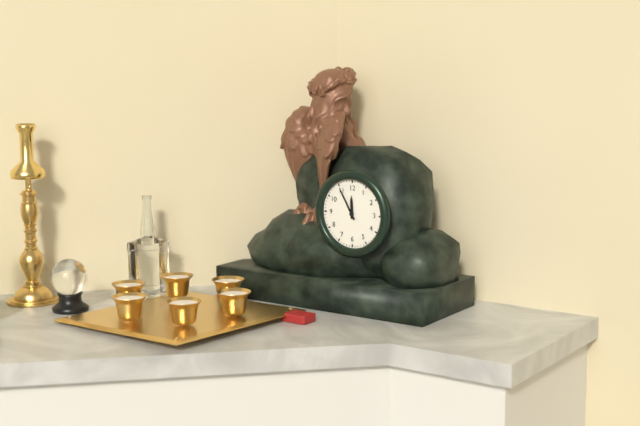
{"hour": 11, "minute": 55}
